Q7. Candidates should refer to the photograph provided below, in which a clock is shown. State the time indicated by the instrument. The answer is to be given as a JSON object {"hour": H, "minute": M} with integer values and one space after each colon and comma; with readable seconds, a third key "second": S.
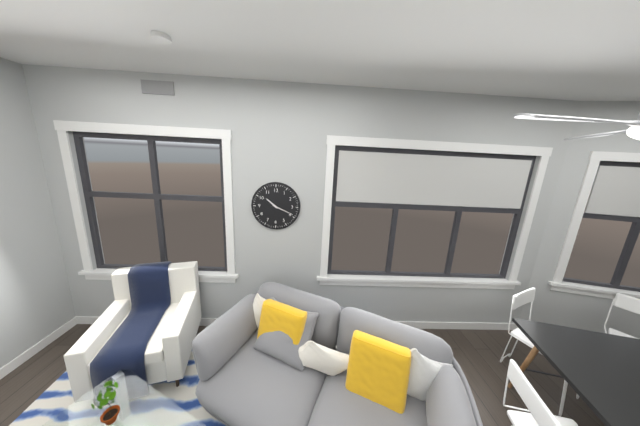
{"hour": 10, "minute": 19}
